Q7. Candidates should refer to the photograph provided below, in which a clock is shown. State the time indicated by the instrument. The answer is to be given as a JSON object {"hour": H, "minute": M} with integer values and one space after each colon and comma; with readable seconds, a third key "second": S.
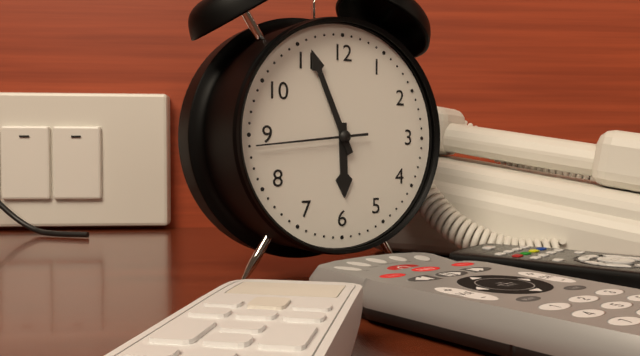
{"hour": 5, "minute": 56, "second": 44}
